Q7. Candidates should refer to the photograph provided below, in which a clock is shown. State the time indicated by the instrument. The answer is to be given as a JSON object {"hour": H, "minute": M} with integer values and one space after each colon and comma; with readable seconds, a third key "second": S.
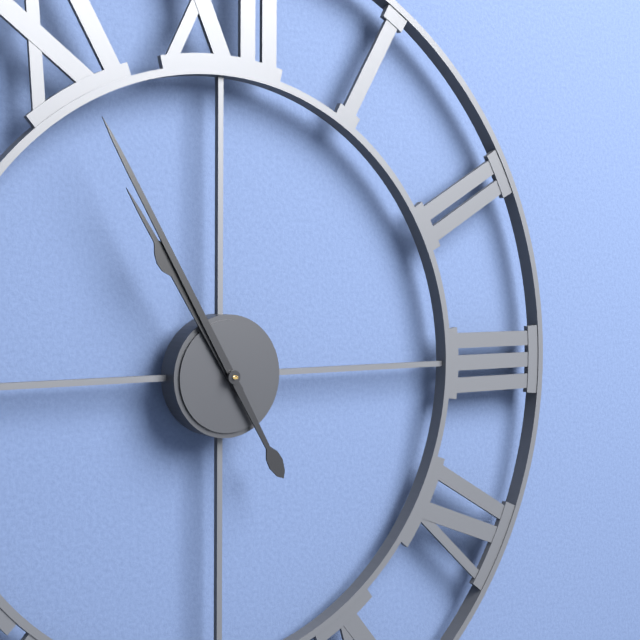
{"hour": 10, "minute": 55}
